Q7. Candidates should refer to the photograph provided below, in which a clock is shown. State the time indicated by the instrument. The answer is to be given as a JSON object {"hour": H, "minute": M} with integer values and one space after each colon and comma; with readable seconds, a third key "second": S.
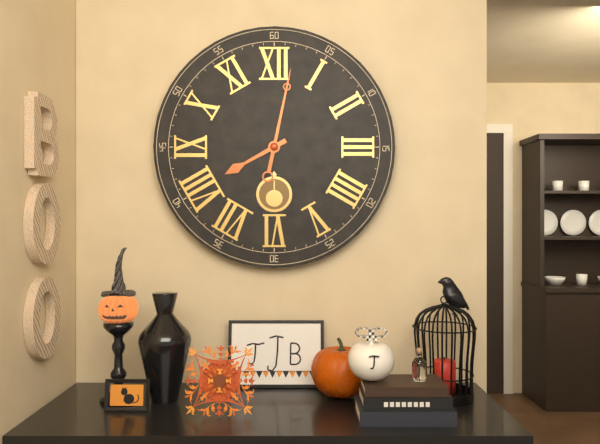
{"hour": 8, "minute": 2}
